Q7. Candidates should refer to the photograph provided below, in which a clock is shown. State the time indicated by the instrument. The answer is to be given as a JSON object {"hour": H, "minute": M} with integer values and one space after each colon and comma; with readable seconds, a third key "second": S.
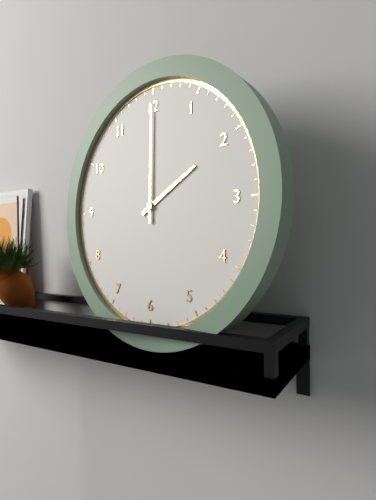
{"hour": 2, "minute": 0}
